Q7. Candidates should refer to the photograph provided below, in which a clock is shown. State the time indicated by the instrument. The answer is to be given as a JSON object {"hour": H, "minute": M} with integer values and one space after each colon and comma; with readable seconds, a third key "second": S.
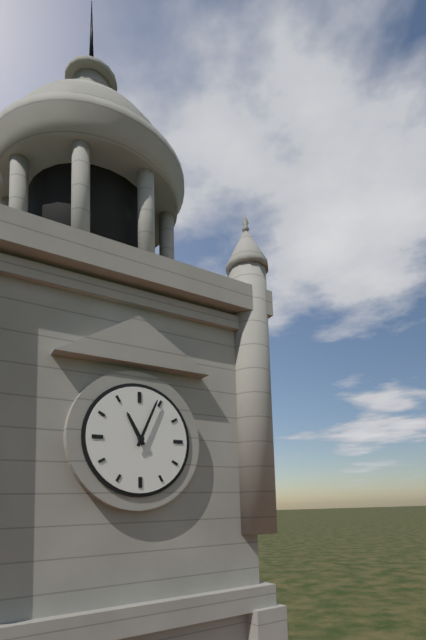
{"hour": 11, "minute": 4}
